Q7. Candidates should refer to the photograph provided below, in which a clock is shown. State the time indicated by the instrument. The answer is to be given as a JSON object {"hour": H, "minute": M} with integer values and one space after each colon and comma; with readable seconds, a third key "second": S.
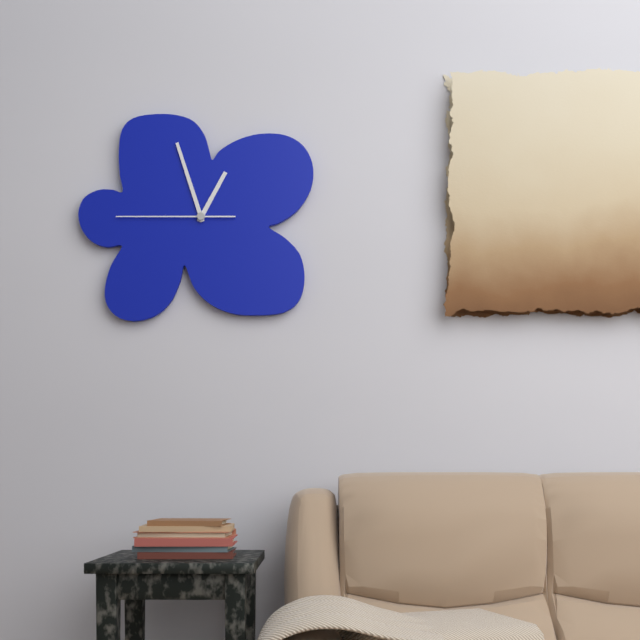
{"hour": 12, "minute": 57, "second": 45}
